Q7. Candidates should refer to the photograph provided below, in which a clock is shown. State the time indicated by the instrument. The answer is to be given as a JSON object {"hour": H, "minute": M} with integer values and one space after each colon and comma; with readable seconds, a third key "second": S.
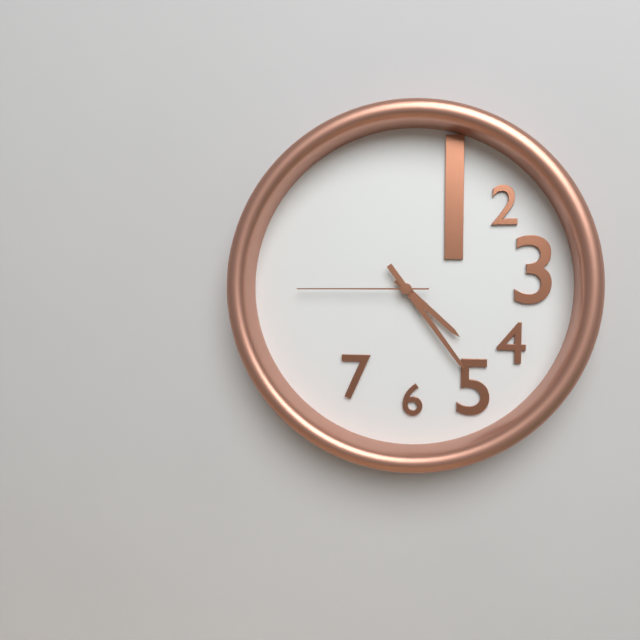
{"hour": 4, "minute": 24, "second": 45}
